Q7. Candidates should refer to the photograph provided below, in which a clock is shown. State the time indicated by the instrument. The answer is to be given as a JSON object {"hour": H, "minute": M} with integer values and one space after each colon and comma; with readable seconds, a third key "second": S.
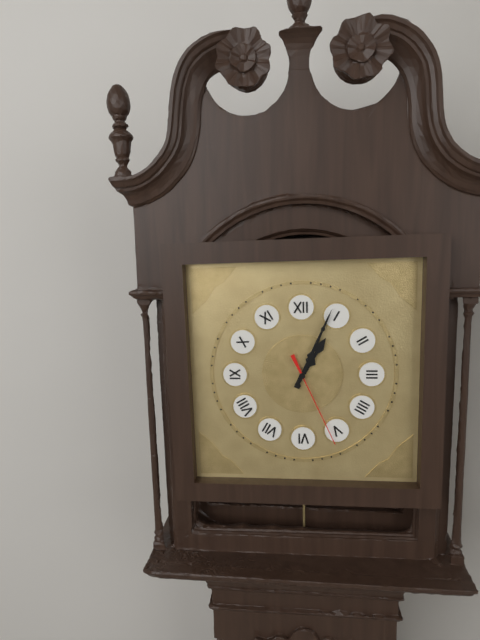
{"hour": 1, "minute": 4, "second": 26}
